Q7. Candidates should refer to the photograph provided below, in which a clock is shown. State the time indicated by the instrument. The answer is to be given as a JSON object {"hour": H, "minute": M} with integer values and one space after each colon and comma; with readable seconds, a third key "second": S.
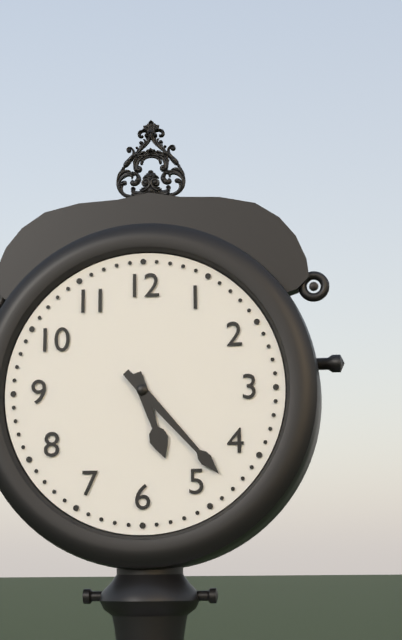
{"hour": 5, "minute": 23}
